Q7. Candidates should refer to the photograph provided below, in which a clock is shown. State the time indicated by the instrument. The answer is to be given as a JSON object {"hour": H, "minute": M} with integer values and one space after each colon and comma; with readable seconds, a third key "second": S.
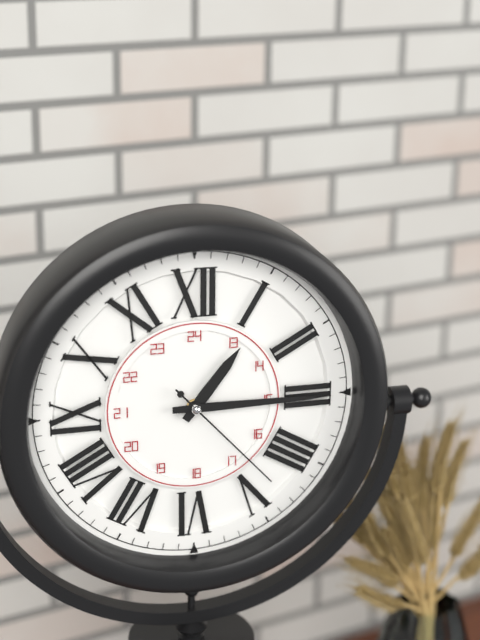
{"hour": 1, "minute": 15, "second": 23}
